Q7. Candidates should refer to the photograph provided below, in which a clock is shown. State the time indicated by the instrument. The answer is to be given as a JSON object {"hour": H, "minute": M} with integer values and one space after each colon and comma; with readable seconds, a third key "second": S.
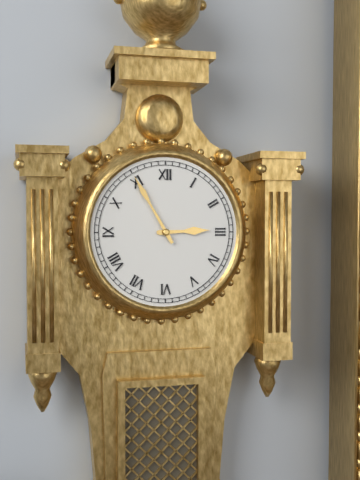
{"hour": 2, "minute": 55}
